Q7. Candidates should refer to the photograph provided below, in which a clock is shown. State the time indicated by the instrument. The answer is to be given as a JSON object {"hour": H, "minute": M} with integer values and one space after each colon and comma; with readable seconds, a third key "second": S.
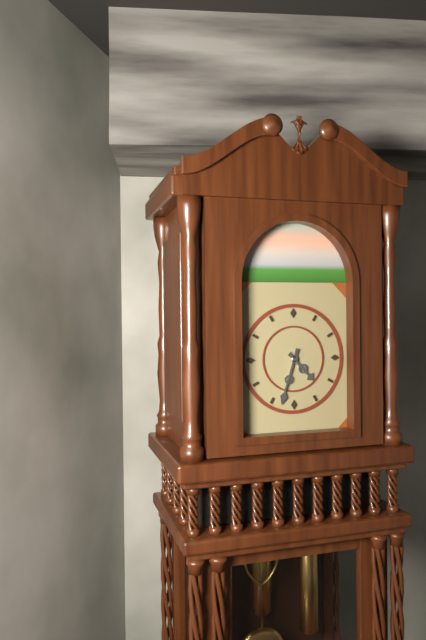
{"hour": 4, "minute": 33}
